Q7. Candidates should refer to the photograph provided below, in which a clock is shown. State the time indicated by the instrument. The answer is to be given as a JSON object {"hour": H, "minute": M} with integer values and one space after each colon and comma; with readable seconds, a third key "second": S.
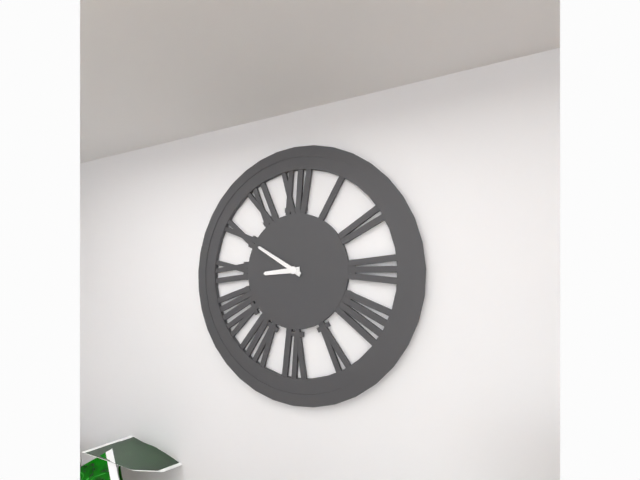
{"hour": 8, "minute": 50}
